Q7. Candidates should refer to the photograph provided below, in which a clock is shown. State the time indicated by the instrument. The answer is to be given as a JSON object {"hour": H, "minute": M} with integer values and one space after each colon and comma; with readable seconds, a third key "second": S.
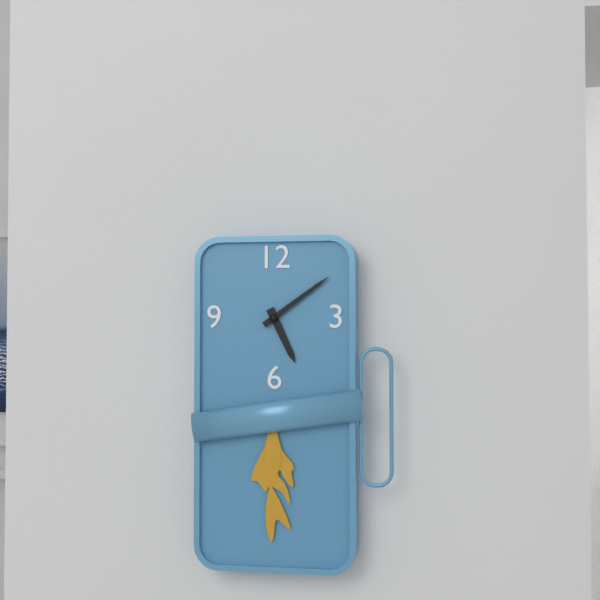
{"hour": 5, "minute": 9}
